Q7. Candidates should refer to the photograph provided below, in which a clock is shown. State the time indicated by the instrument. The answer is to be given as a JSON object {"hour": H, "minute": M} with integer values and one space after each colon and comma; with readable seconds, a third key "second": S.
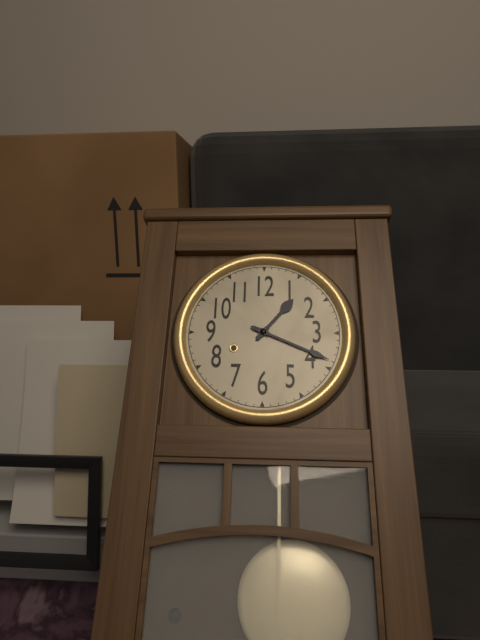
{"hour": 1, "minute": 19}
